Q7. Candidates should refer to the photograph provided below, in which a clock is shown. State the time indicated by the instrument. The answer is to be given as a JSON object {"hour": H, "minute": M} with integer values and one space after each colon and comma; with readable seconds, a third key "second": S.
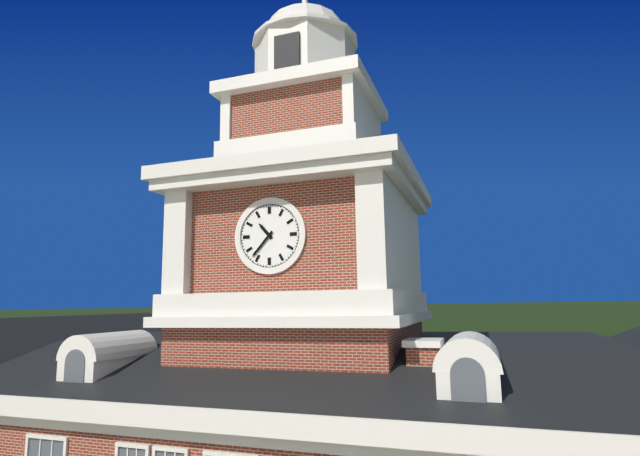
{"hour": 10, "minute": 37}
